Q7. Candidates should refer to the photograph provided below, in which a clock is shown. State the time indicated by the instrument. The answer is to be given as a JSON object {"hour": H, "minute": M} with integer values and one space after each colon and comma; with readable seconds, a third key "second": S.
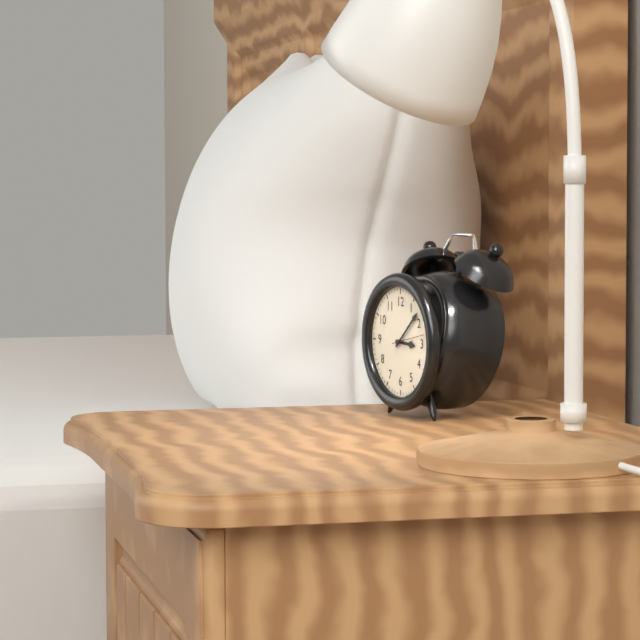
{"hour": 3, "minute": 8}
